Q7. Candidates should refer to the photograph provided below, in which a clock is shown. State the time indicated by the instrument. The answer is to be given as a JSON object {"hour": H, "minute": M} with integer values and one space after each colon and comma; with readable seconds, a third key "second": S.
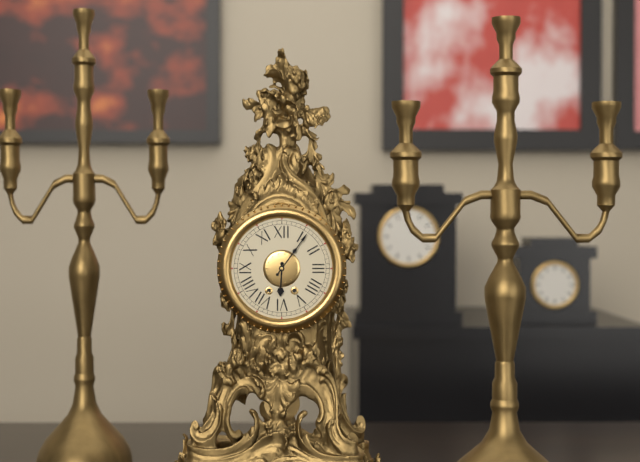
{"hour": 6, "minute": 6}
